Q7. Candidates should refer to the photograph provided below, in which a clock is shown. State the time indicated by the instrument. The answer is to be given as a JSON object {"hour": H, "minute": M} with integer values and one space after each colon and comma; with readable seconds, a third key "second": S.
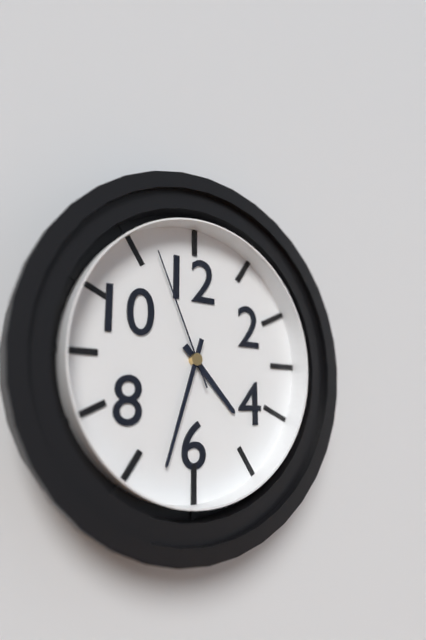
{"hour": 4, "minute": 33, "second": 56}
